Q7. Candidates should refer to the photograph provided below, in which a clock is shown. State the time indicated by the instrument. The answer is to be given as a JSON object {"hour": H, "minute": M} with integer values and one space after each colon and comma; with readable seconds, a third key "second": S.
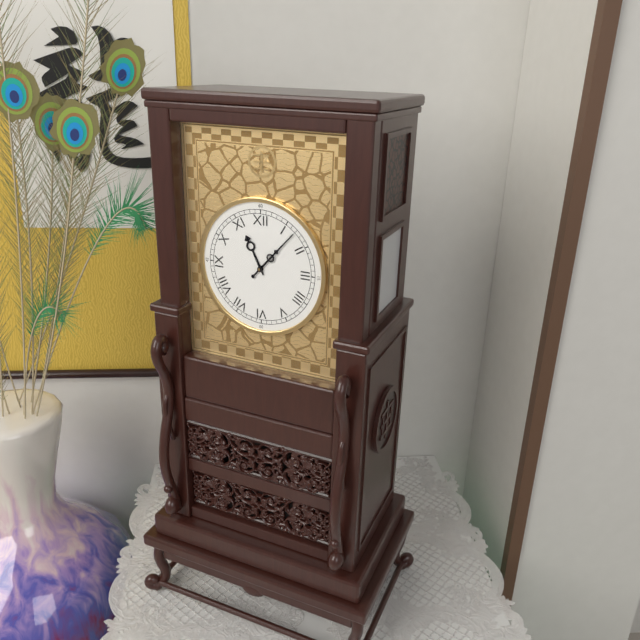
{"hour": 11, "minute": 7}
